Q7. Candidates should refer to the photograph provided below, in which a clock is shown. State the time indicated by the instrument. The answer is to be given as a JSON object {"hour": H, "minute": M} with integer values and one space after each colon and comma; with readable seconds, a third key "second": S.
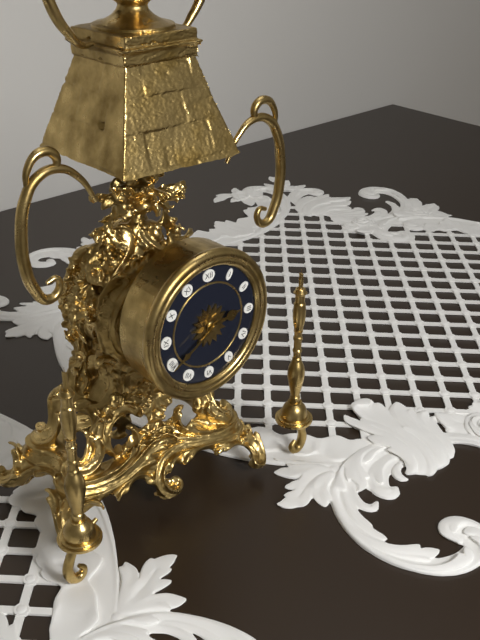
{"hour": 2, "minute": 40}
